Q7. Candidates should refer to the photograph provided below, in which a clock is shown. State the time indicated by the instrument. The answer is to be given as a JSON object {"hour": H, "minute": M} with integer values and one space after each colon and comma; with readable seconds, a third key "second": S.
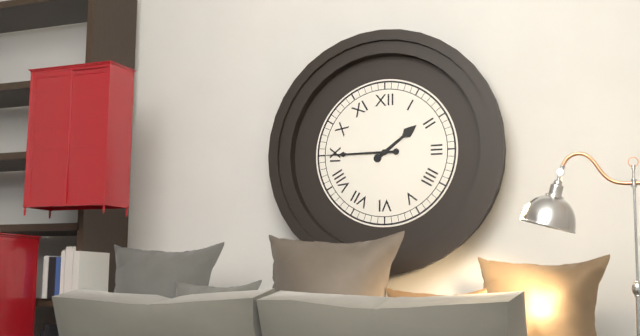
{"hour": 1, "minute": 45}
